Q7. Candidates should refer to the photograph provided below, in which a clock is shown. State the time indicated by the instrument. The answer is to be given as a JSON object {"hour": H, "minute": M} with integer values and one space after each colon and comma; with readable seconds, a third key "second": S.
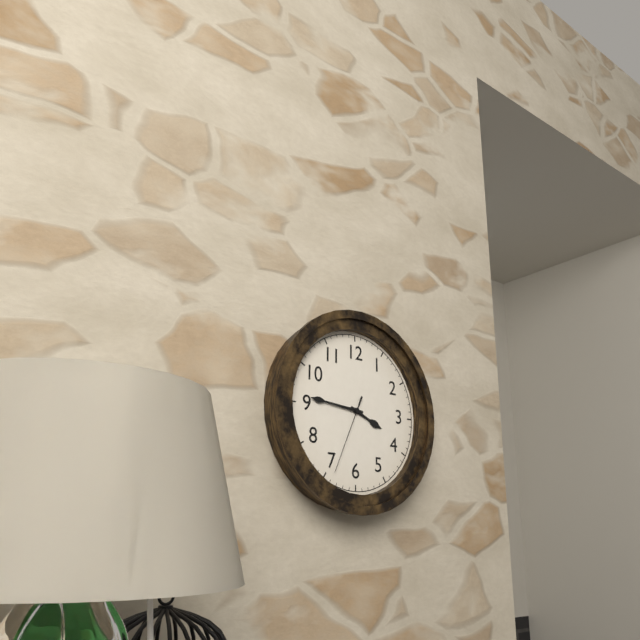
{"hour": 3, "minute": 46, "second": 34}
